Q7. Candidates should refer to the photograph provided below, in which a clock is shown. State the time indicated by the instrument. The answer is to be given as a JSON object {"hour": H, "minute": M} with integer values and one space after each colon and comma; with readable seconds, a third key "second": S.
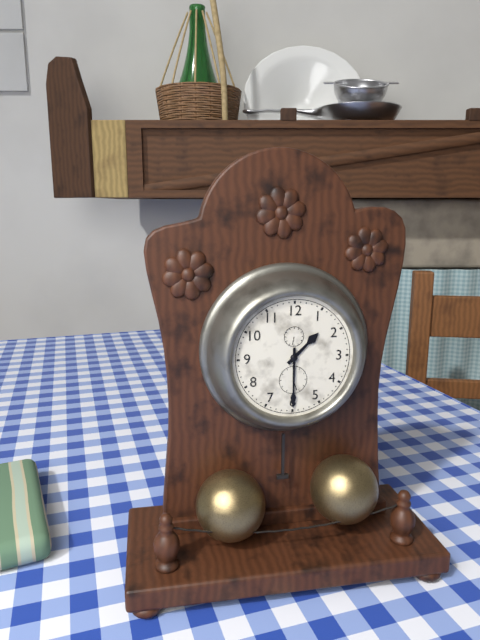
{"hour": 1, "minute": 30}
